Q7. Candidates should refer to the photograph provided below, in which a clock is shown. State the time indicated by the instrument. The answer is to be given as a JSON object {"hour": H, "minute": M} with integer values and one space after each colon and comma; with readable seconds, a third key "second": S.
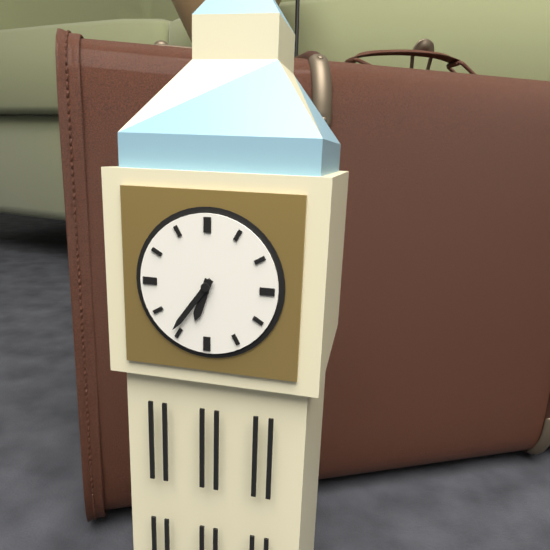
{"hour": 6, "minute": 36}
